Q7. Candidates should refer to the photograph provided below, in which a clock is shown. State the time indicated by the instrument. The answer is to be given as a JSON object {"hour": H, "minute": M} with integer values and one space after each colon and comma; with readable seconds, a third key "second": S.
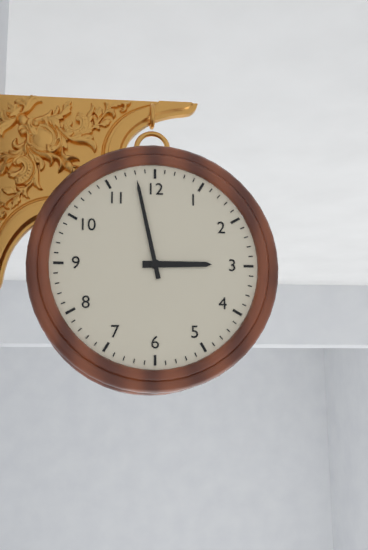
{"hour": 2, "minute": 58}
